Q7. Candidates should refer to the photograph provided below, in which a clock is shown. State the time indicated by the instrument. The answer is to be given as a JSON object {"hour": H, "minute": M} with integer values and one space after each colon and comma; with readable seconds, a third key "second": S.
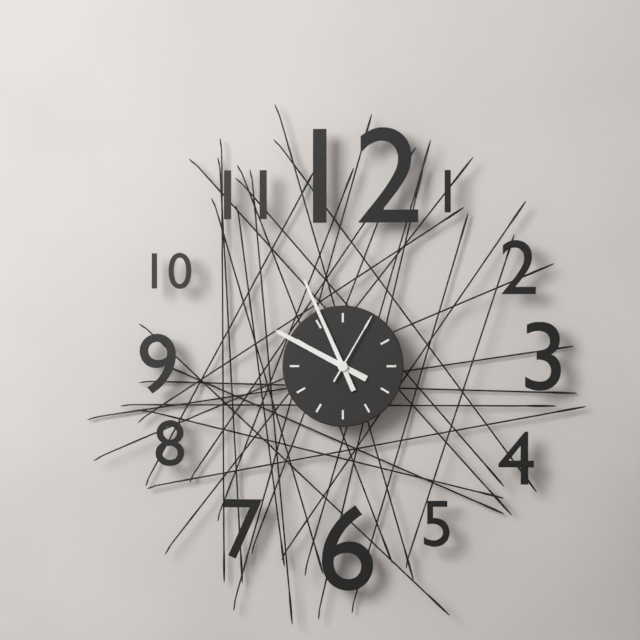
{"hour": 9, "minute": 56, "second": 5}
